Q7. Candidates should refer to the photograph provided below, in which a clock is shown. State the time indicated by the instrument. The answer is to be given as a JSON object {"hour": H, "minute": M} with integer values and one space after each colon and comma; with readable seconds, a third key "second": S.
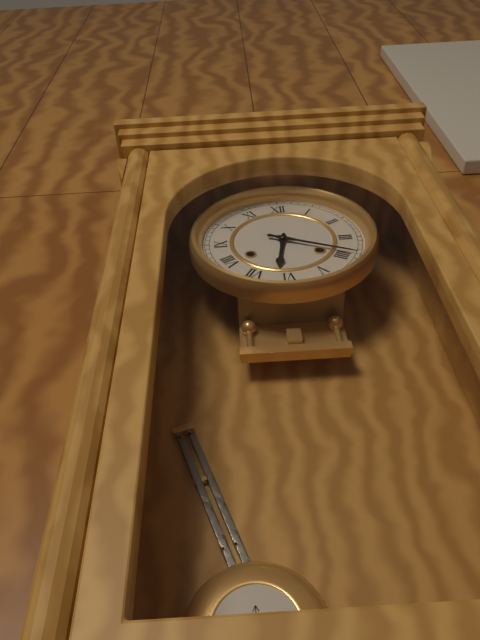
{"hour": 6, "minute": 19}
